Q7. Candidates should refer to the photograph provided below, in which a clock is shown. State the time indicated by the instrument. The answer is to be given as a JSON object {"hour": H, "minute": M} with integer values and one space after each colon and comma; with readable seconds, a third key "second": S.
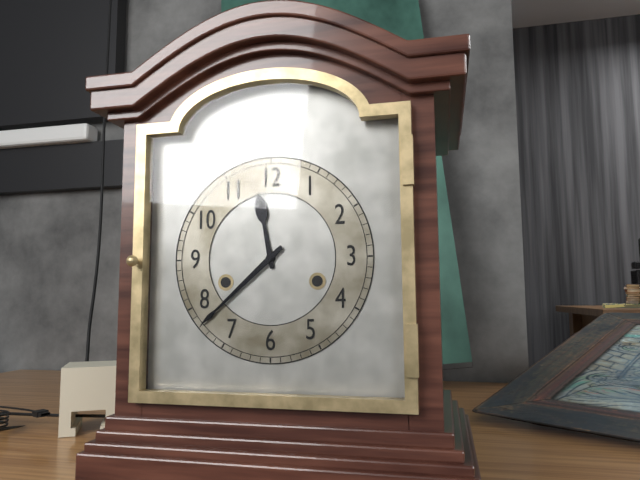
{"hour": 11, "minute": 38}
